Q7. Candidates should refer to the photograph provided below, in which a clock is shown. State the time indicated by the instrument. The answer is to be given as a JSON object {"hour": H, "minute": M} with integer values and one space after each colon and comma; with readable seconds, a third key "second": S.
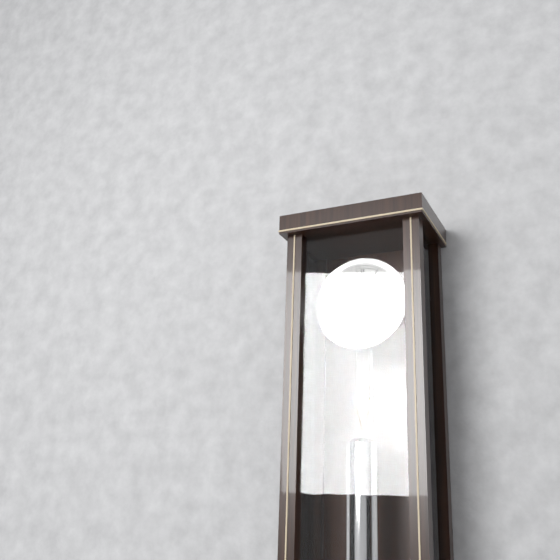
{"hour": 3, "minute": 22}
